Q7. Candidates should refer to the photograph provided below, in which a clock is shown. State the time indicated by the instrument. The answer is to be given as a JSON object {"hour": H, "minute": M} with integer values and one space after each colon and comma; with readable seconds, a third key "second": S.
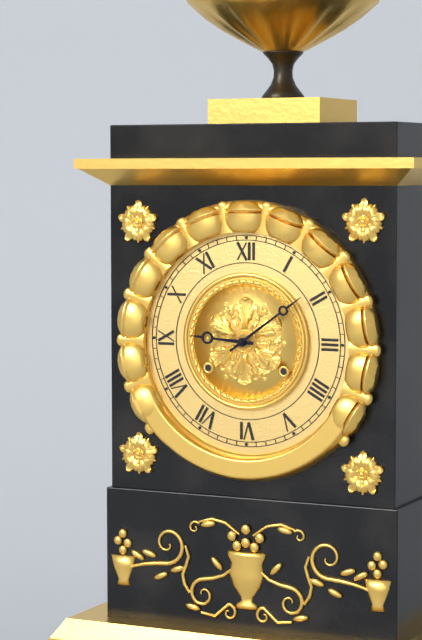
{"hour": 9, "minute": 9}
